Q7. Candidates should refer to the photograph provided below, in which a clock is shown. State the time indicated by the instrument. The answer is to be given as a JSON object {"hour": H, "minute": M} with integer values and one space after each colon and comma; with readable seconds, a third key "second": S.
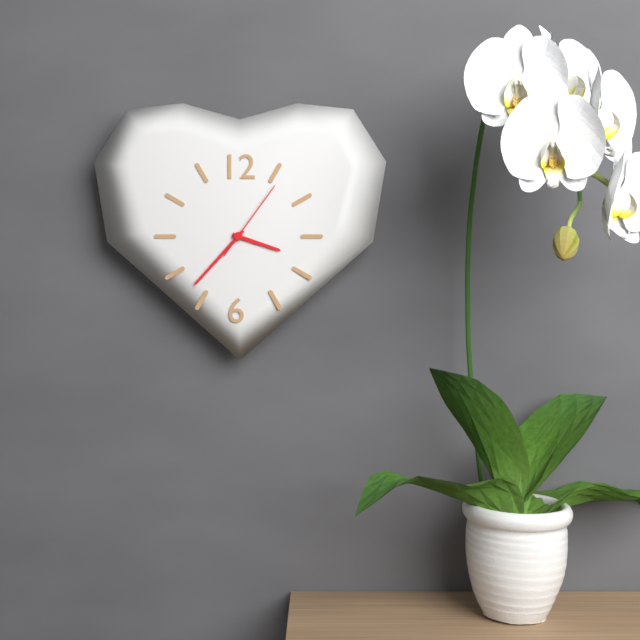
{"hour": 3, "minute": 37, "second": 6}
